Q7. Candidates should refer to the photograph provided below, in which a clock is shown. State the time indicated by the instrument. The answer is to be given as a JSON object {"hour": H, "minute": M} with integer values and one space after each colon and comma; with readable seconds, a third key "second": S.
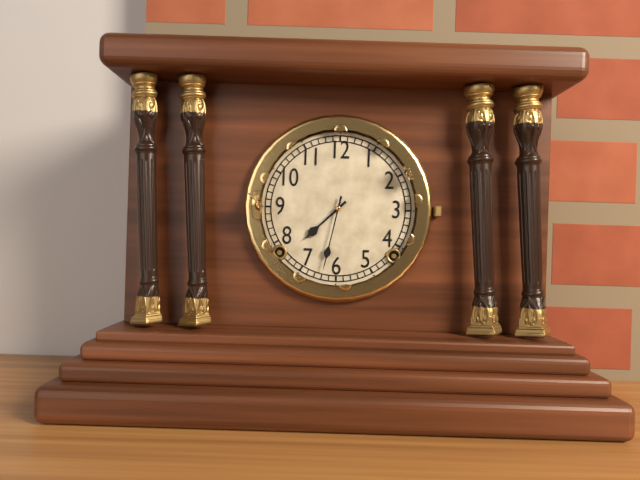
{"hour": 7, "minute": 32}
